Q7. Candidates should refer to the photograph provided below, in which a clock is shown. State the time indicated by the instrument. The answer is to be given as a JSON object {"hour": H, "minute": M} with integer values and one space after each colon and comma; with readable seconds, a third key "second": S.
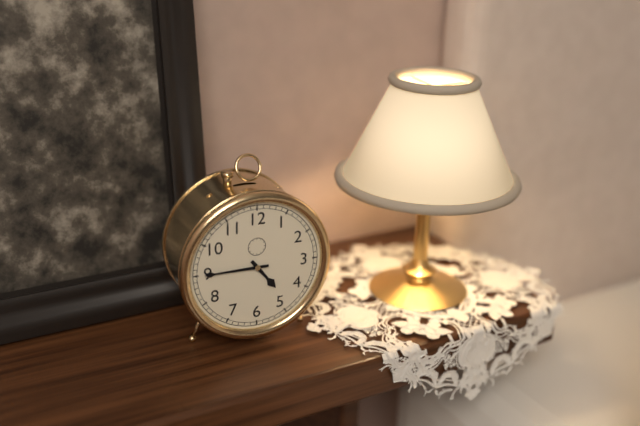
{"hour": 4, "minute": 45}
